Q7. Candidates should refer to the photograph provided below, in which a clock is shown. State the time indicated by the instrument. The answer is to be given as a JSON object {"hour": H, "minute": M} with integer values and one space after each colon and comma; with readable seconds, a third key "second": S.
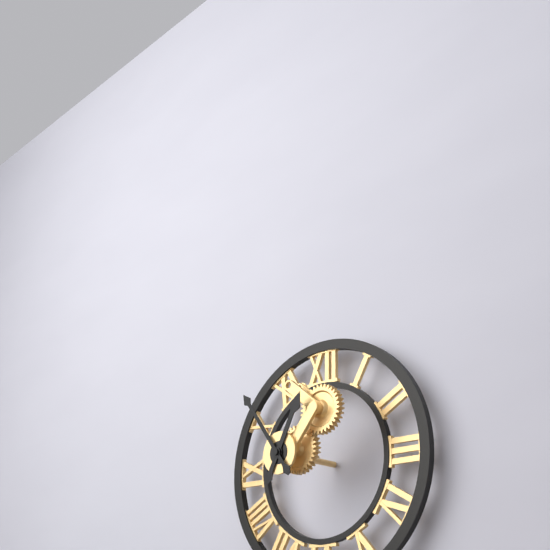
{"hour": 12, "minute": 54}
